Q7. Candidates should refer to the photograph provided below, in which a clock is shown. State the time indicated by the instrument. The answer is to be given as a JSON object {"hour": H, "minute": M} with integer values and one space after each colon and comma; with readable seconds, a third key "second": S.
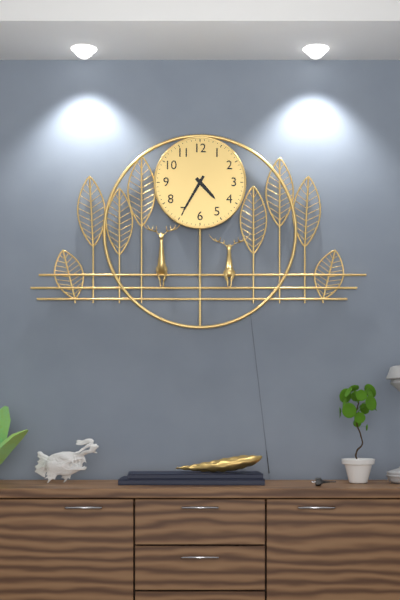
{"hour": 4, "minute": 35}
